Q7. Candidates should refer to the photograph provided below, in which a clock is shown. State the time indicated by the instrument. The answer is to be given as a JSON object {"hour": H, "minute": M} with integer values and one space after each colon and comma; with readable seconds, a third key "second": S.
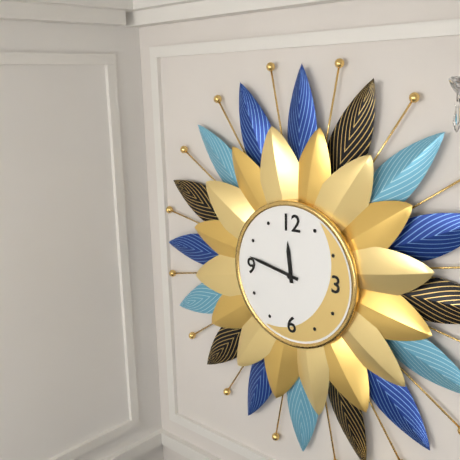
{"hour": 11, "minute": 47}
